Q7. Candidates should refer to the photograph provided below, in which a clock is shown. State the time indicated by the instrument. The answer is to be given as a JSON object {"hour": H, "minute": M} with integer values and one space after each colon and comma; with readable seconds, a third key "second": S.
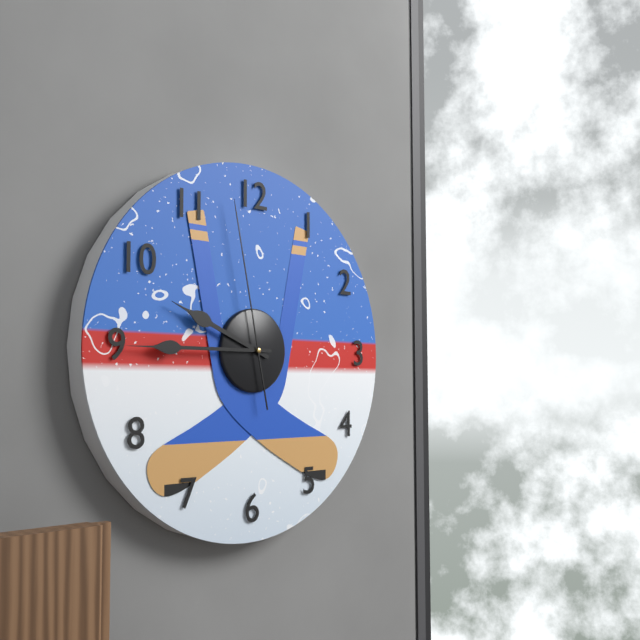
{"hour": 9, "minute": 45, "second": 58}
